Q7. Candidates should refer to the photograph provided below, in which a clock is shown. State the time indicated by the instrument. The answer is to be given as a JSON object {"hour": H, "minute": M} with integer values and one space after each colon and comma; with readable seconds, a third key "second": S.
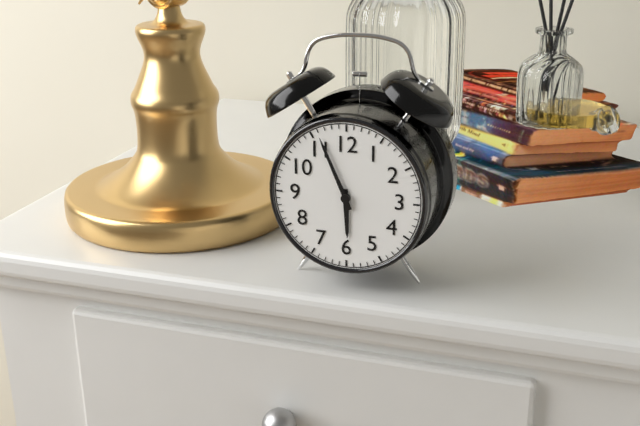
{"hour": 5, "minute": 56}
